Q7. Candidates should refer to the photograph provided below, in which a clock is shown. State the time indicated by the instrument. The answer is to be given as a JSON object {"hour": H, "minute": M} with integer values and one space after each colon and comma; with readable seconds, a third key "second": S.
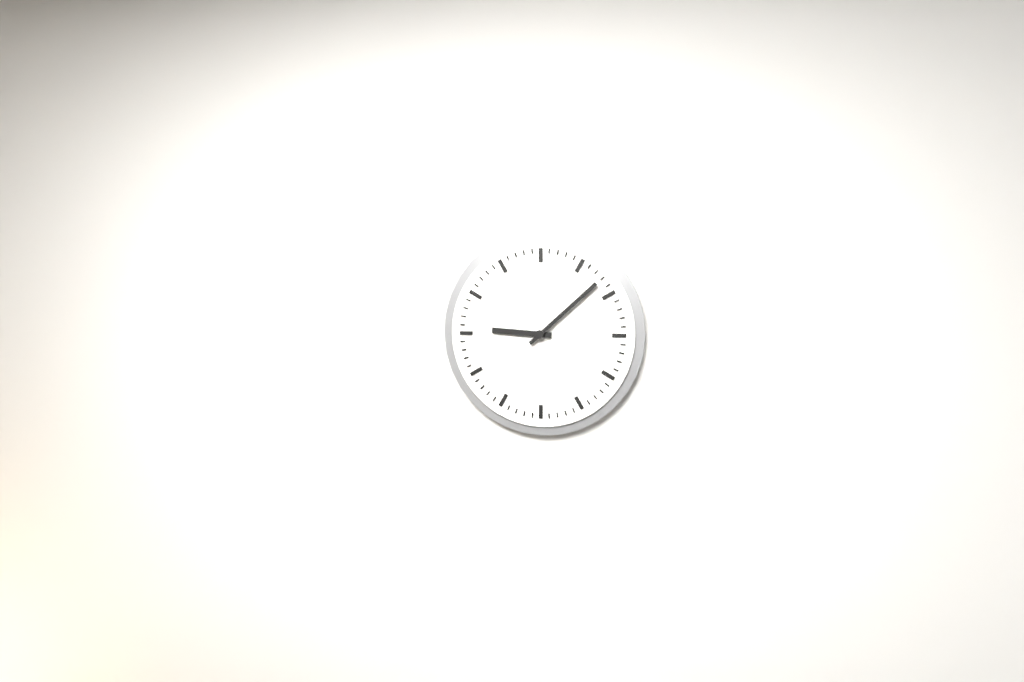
{"hour": 9, "minute": 8}
